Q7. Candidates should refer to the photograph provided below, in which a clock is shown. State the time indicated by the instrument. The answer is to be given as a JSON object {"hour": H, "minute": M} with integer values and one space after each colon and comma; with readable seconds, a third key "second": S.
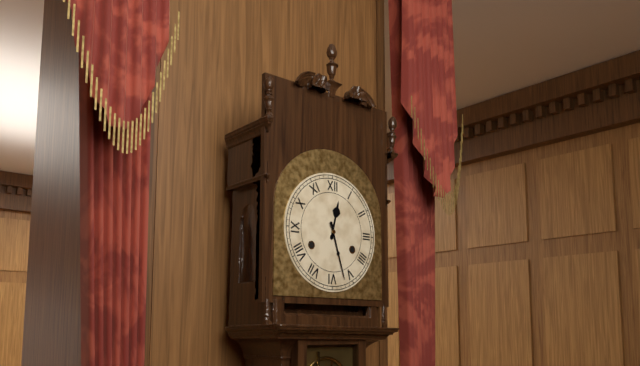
{"hour": 12, "minute": 27}
